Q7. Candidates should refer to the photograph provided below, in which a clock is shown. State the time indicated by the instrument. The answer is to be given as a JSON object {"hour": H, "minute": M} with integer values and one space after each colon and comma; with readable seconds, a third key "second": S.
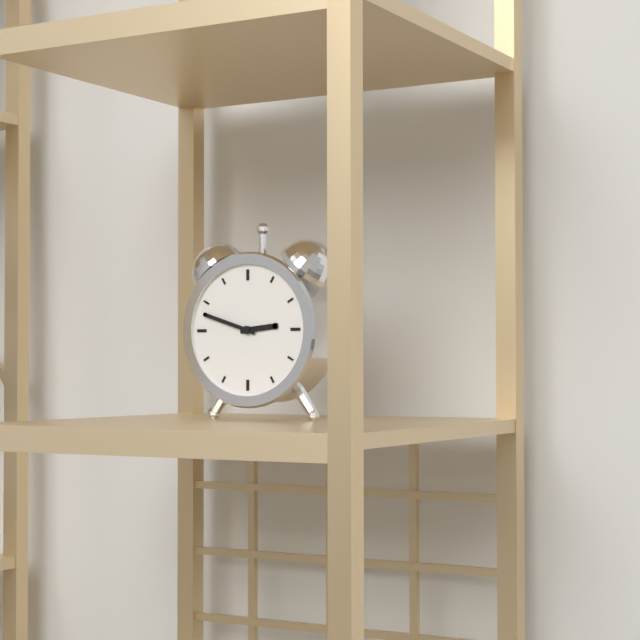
{"hour": 2, "minute": 48}
